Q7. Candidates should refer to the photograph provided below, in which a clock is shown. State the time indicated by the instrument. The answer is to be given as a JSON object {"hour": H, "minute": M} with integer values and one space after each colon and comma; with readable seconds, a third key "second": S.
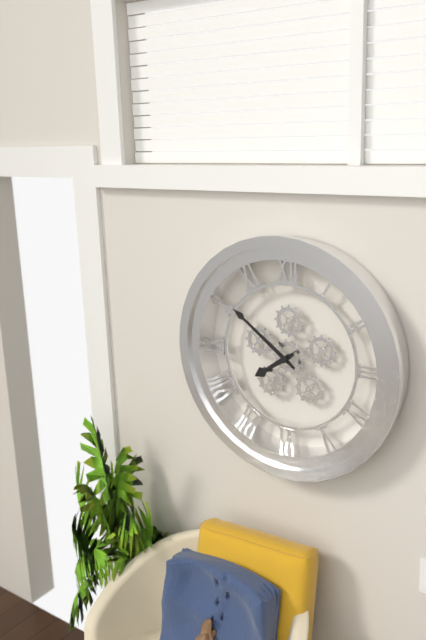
{"hour": 7, "minute": 51}
